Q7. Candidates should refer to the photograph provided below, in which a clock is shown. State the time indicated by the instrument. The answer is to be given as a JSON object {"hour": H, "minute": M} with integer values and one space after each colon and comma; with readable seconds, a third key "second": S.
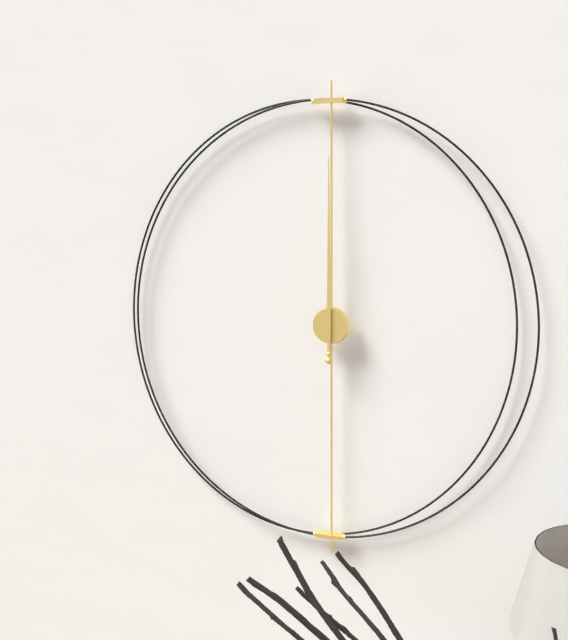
{"hour": 12, "minute": 0}
